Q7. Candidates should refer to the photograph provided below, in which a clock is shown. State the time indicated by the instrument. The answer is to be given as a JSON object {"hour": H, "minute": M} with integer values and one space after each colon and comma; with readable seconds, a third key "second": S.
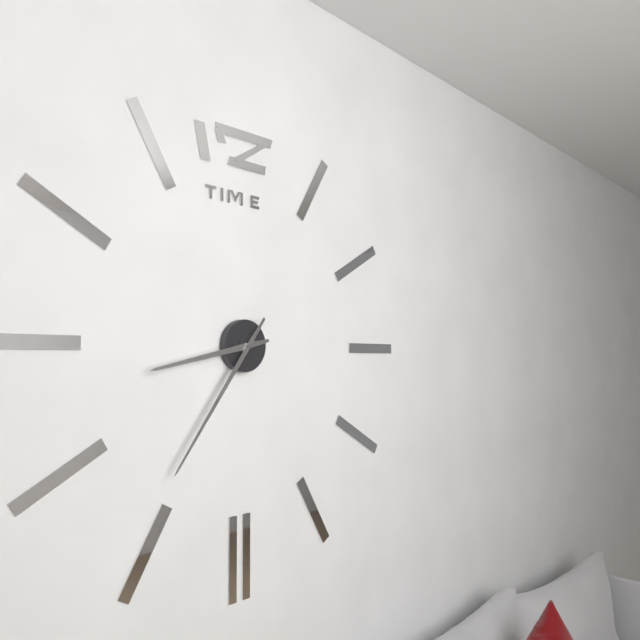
{"hour": 8, "minute": 36}
